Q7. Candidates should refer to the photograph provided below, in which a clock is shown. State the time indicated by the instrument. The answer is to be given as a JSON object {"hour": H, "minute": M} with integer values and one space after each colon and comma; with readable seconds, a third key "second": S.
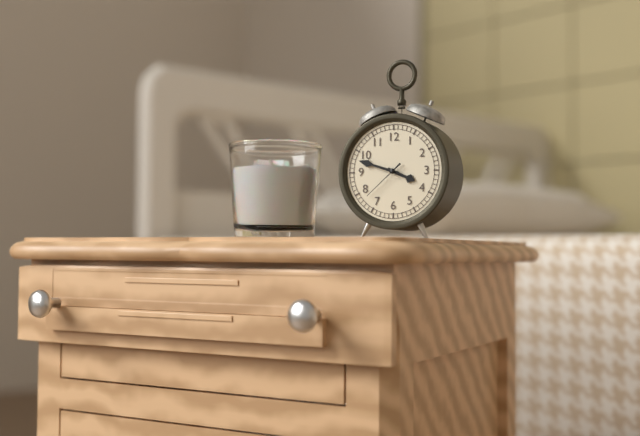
{"hour": 3, "minute": 48}
